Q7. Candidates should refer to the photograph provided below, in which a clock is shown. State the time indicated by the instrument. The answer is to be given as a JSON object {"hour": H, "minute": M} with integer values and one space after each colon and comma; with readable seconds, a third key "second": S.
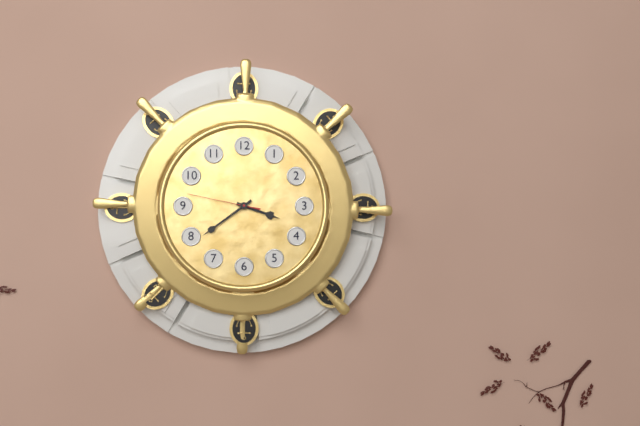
{"hour": 3, "minute": 39, "second": 47}
